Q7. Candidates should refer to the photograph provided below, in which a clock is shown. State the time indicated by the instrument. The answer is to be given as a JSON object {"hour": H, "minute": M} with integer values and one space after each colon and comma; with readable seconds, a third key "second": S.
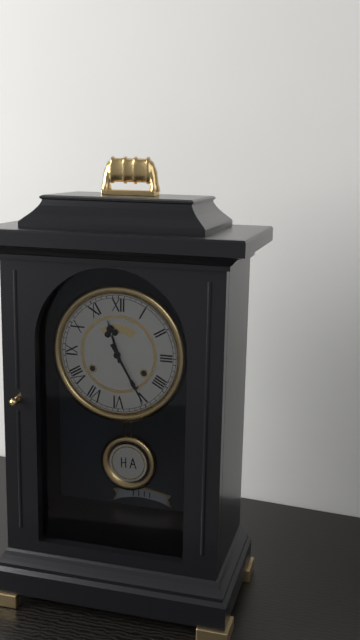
{"hour": 11, "minute": 25}
